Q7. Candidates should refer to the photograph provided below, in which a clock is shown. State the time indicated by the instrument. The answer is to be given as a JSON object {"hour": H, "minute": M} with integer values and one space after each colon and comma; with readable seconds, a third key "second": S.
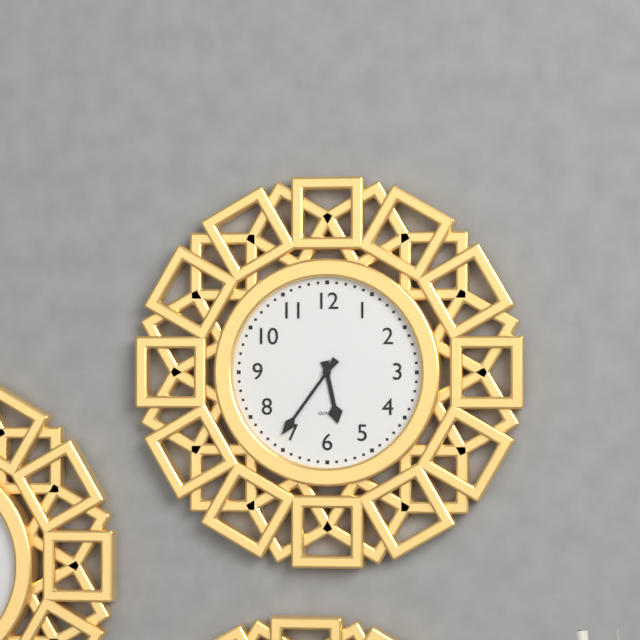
{"hour": 5, "minute": 36}
